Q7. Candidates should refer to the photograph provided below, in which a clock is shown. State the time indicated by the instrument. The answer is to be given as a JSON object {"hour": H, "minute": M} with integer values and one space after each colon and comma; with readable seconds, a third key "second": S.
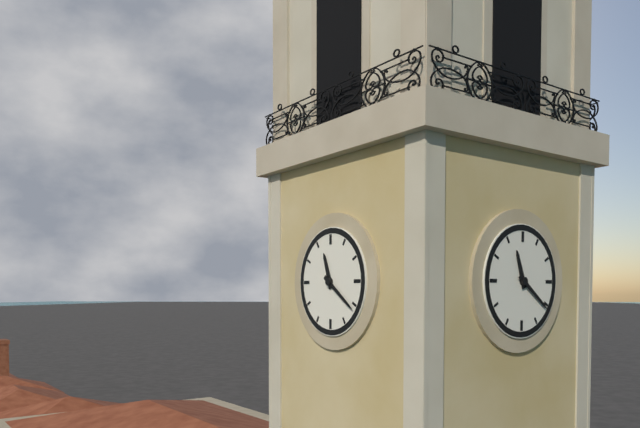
{"hour": 11, "minute": 21}
